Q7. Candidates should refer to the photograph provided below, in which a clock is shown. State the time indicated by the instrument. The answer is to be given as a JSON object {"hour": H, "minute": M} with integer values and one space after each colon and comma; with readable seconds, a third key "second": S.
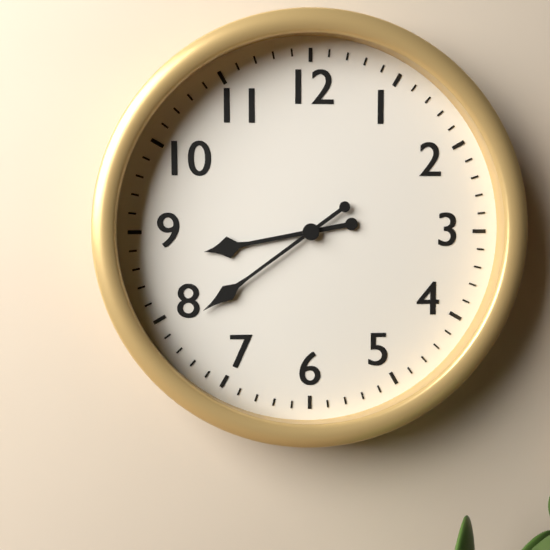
{"hour": 8, "minute": 39}
